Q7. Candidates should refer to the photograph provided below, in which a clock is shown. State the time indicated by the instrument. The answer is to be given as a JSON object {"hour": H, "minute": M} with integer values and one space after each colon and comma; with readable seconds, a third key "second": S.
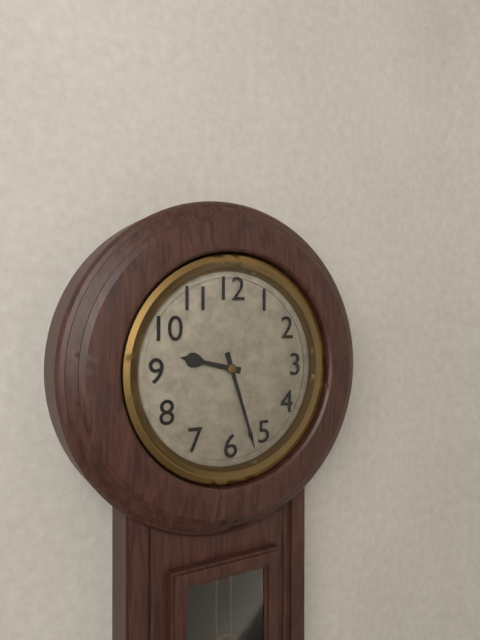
{"hour": 9, "minute": 27}
